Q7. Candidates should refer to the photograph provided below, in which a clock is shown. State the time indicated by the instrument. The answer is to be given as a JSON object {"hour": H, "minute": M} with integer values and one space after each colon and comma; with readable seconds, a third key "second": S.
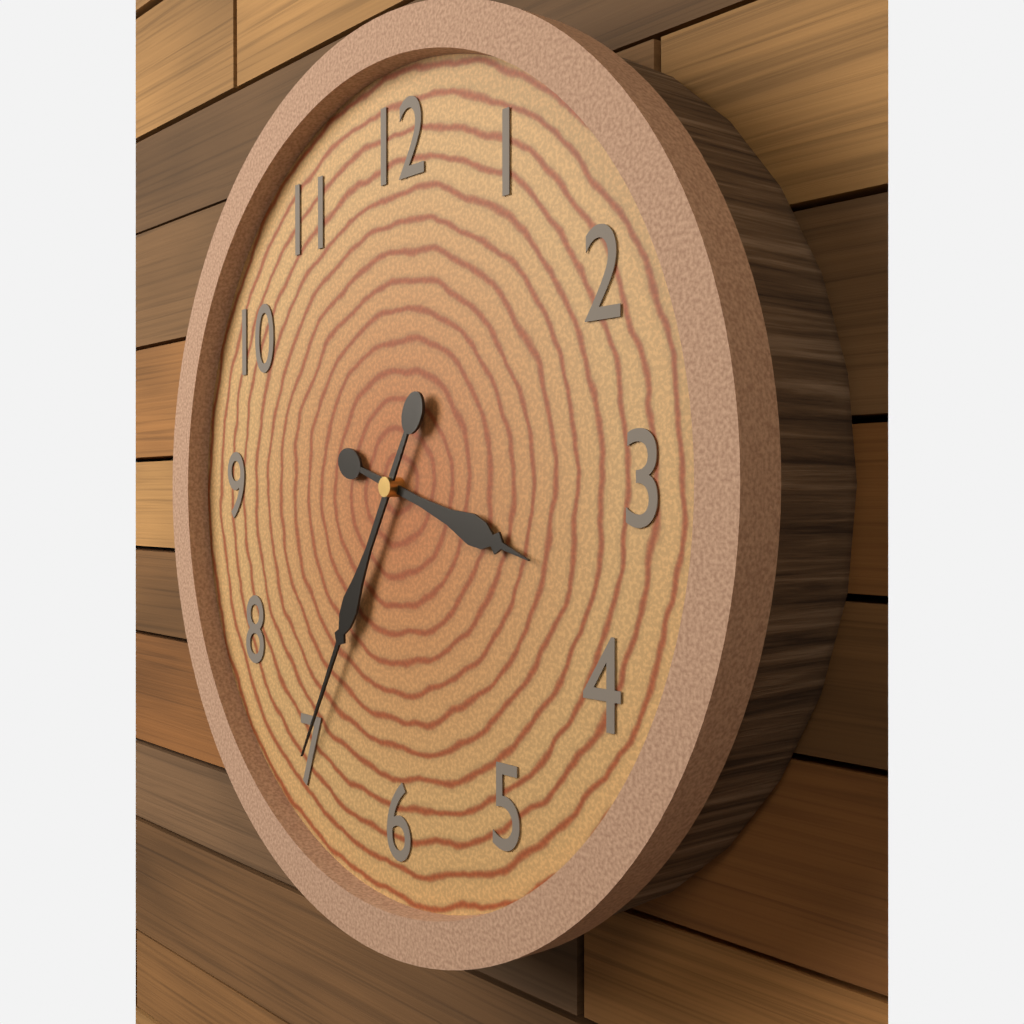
{"hour": 3, "minute": 35}
